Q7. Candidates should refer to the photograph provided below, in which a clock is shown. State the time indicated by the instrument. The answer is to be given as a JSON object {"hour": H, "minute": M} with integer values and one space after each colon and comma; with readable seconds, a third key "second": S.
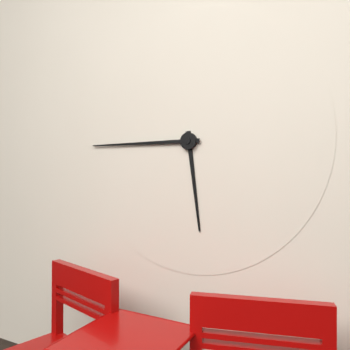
{"hour": 5, "minute": 45}
